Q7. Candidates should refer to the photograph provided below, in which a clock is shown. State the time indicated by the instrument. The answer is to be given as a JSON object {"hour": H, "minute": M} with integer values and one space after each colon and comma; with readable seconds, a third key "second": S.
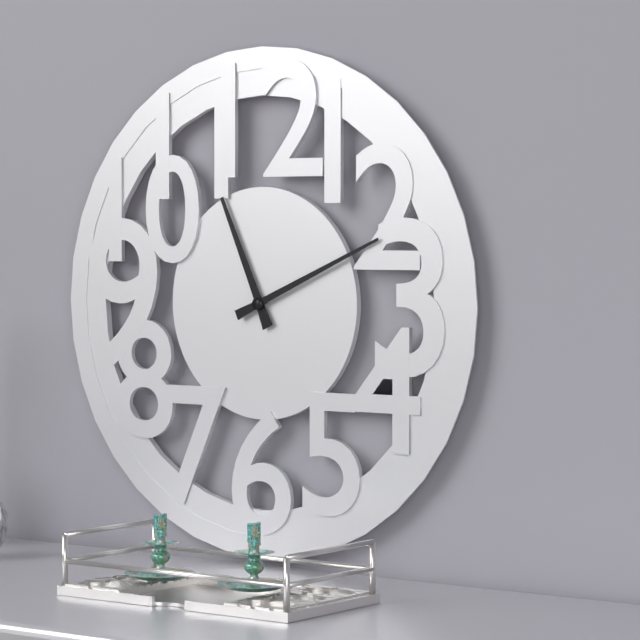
{"hour": 11, "minute": 11}
